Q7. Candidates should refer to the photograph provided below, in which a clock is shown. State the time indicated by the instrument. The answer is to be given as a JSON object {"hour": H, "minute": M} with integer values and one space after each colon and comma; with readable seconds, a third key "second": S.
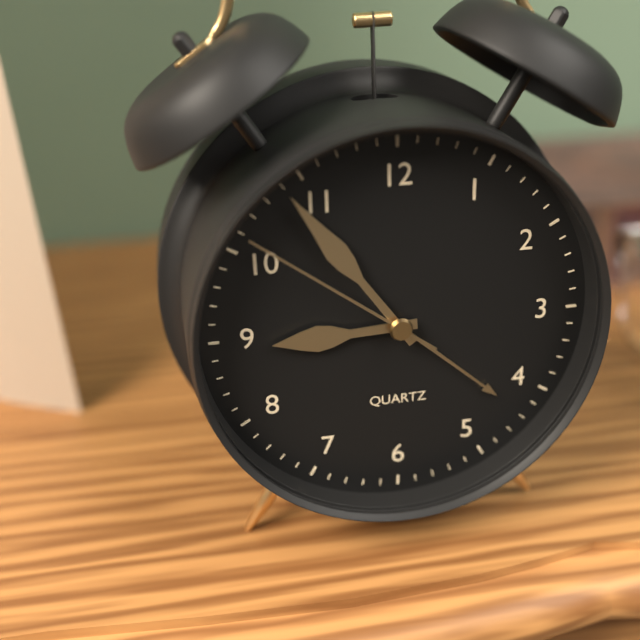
{"hour": 8, "minute": 54, "second": 51}
